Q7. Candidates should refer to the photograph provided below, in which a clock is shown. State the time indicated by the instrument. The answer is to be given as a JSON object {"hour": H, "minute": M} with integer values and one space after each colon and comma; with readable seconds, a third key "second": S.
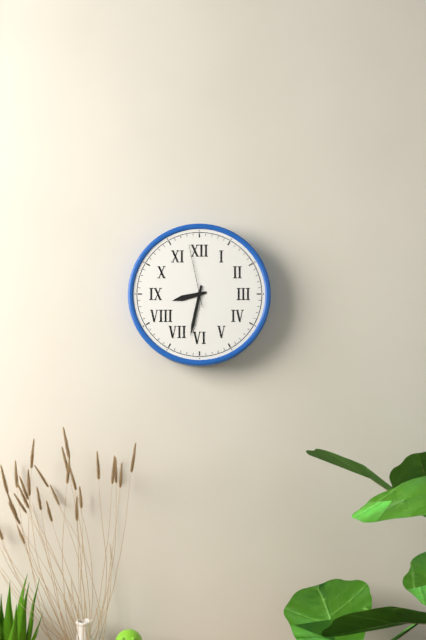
{"hour": 8, "minute": 32, "second": 58}
